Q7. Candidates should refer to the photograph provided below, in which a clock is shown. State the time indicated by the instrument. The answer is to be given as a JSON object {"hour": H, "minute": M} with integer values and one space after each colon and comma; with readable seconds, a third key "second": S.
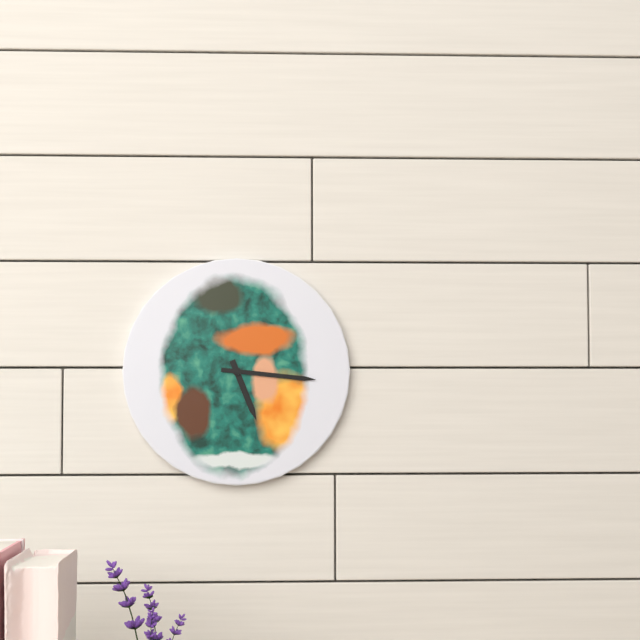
{"hour": 5, "minute": 16}
